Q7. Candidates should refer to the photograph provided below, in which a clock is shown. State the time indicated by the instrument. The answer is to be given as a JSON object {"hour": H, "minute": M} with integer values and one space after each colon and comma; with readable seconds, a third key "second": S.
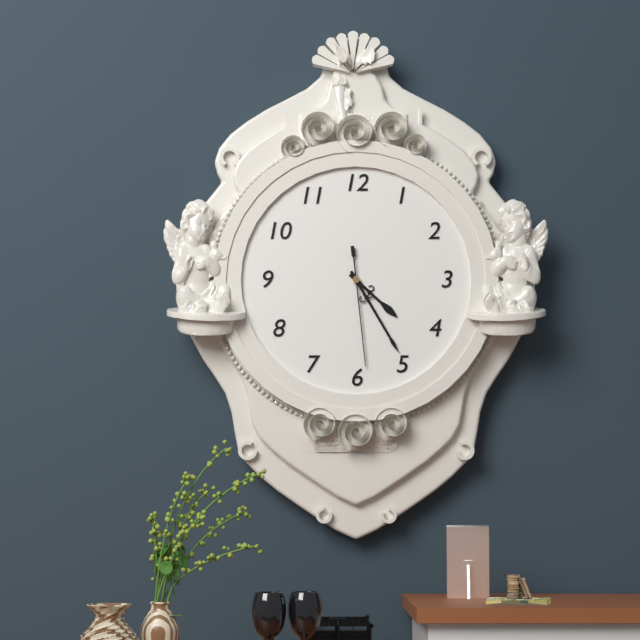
{"hour": 4, "minute": 25, "second": 29}
